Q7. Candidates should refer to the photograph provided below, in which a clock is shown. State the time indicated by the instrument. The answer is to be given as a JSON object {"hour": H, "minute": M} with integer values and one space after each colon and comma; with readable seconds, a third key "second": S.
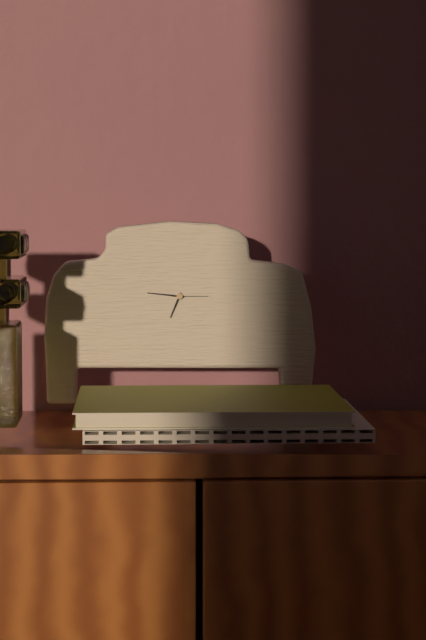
{"hour": 6, "minute": 46}
